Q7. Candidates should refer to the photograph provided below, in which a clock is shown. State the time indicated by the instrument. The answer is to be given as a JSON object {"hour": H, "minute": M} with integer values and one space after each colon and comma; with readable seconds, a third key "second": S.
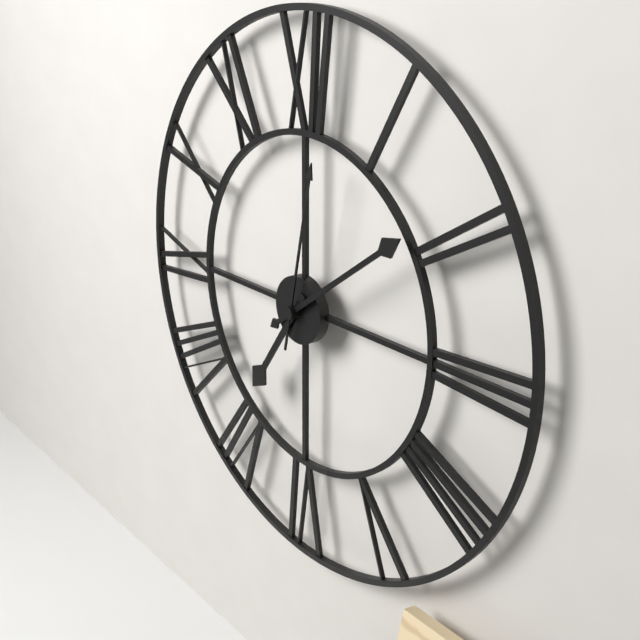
{"hour": 7, "minute": 9, "second": 2}
